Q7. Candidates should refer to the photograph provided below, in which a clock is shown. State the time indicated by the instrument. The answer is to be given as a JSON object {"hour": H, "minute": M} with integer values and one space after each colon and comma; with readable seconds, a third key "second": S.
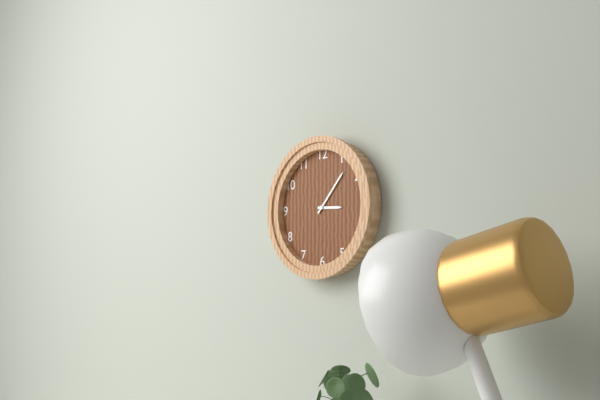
{"hour": 3, "minute": 7}
